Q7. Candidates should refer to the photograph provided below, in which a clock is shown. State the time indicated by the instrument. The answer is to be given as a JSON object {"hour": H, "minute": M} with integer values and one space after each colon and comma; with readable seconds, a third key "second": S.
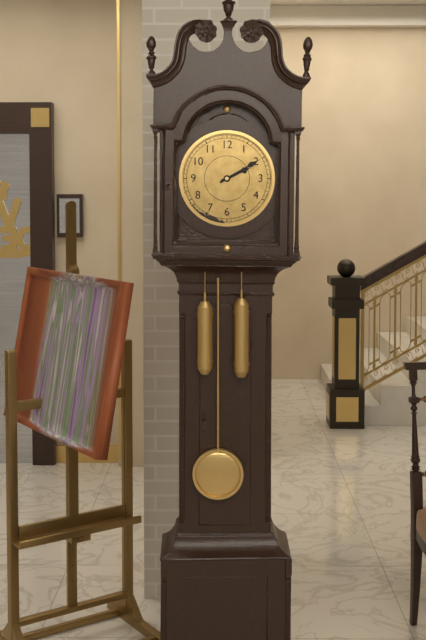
{"hour": 2, "minute": 10}
